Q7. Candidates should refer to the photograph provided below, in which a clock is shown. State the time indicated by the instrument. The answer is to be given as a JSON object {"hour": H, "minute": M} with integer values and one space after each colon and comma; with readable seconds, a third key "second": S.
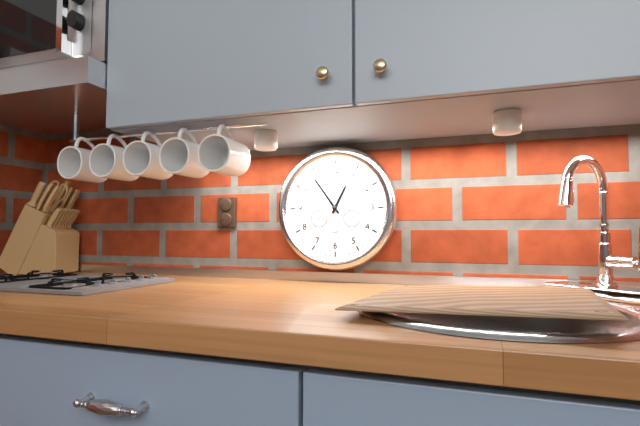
{"hour": 12, "minute": 54}
